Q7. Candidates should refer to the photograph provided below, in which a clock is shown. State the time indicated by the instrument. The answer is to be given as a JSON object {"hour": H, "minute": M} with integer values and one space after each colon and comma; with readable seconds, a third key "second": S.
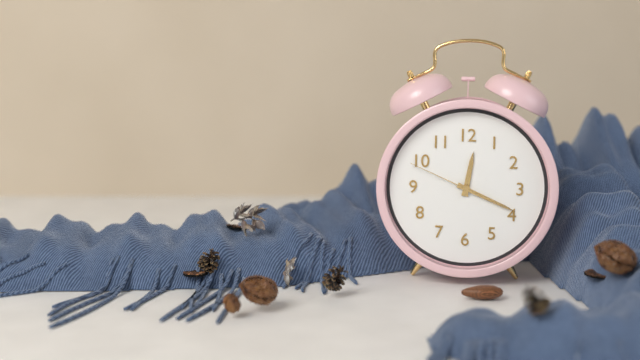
{"hour": 12, "minute": 19, "second": 49}
